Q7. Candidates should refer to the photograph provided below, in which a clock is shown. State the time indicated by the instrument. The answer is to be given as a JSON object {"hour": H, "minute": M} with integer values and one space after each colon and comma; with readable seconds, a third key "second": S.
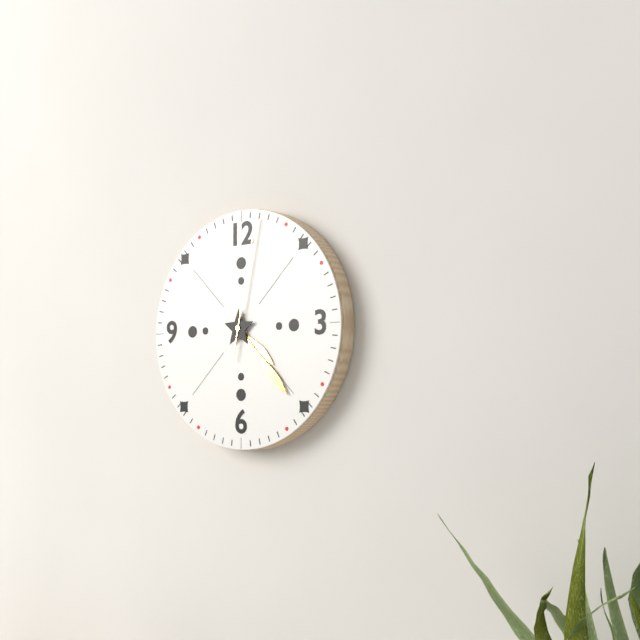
{"hour": 4, "minute": 23, "second": 2}
